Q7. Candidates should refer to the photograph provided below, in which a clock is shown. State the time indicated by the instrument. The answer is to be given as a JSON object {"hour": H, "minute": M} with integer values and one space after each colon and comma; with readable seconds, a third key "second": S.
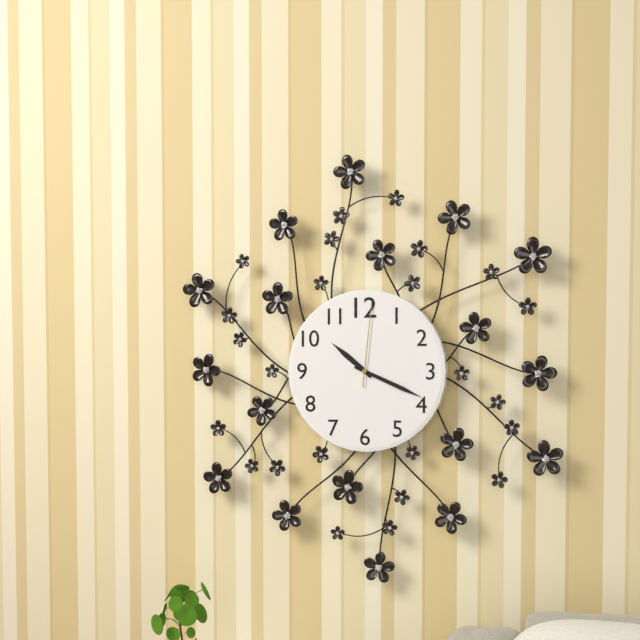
{"hour": 10, "minute": 19, "second": 1}
